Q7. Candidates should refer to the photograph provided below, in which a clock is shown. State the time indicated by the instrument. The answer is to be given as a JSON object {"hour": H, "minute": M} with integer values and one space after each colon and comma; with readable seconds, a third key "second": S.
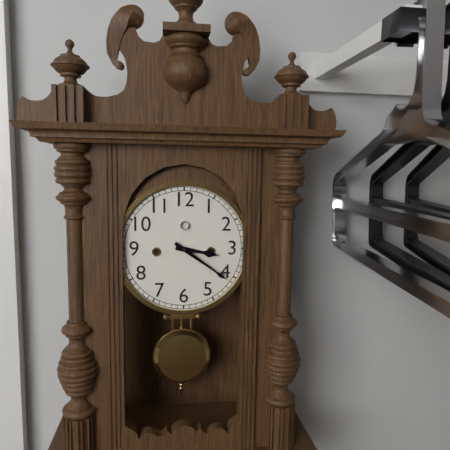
{"hour": 3, "minute": 21}
